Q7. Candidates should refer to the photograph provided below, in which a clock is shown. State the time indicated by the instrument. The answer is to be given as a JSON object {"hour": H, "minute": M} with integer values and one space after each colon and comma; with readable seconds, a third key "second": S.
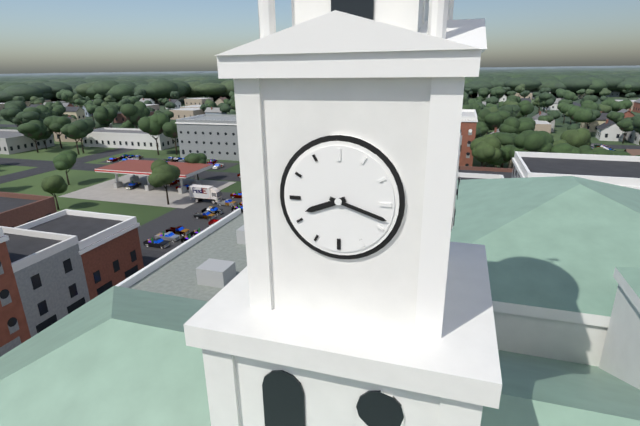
{"hour": 8, "minute": 18}
